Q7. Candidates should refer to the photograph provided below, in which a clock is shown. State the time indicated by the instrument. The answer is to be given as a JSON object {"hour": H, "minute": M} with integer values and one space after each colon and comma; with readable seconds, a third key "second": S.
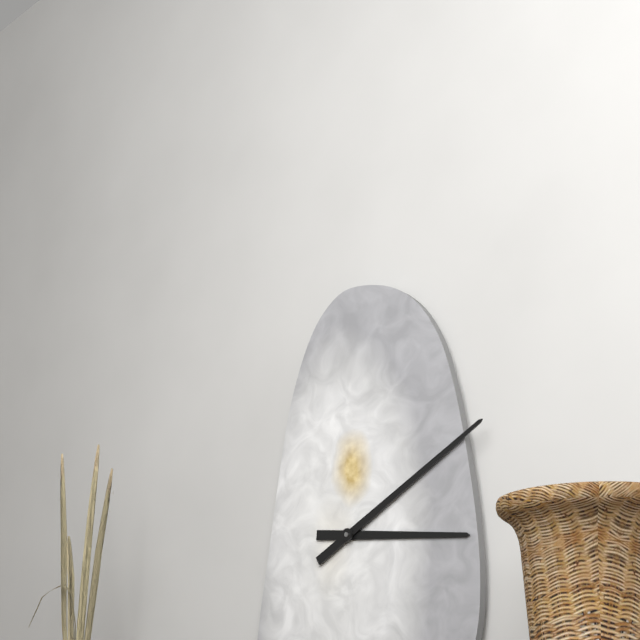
{"hour": 3, "minute": 10}
